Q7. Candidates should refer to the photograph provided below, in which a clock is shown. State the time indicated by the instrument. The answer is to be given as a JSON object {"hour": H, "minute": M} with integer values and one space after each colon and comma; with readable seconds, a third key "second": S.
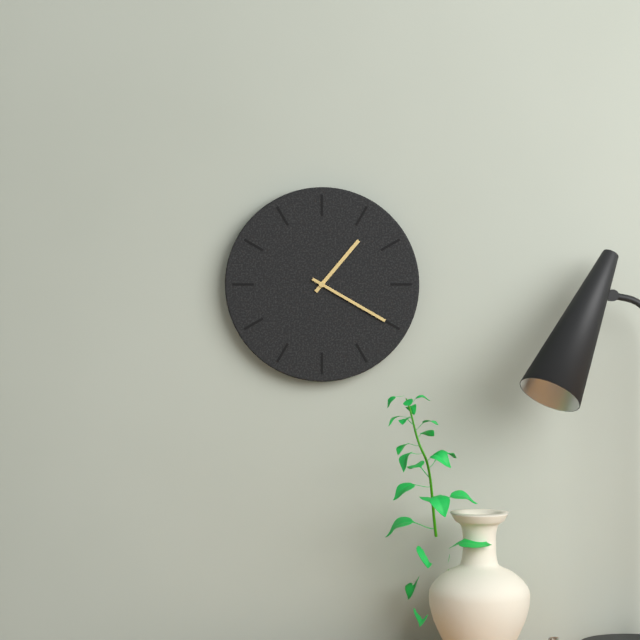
{"hour": 1, "minute": 20}
